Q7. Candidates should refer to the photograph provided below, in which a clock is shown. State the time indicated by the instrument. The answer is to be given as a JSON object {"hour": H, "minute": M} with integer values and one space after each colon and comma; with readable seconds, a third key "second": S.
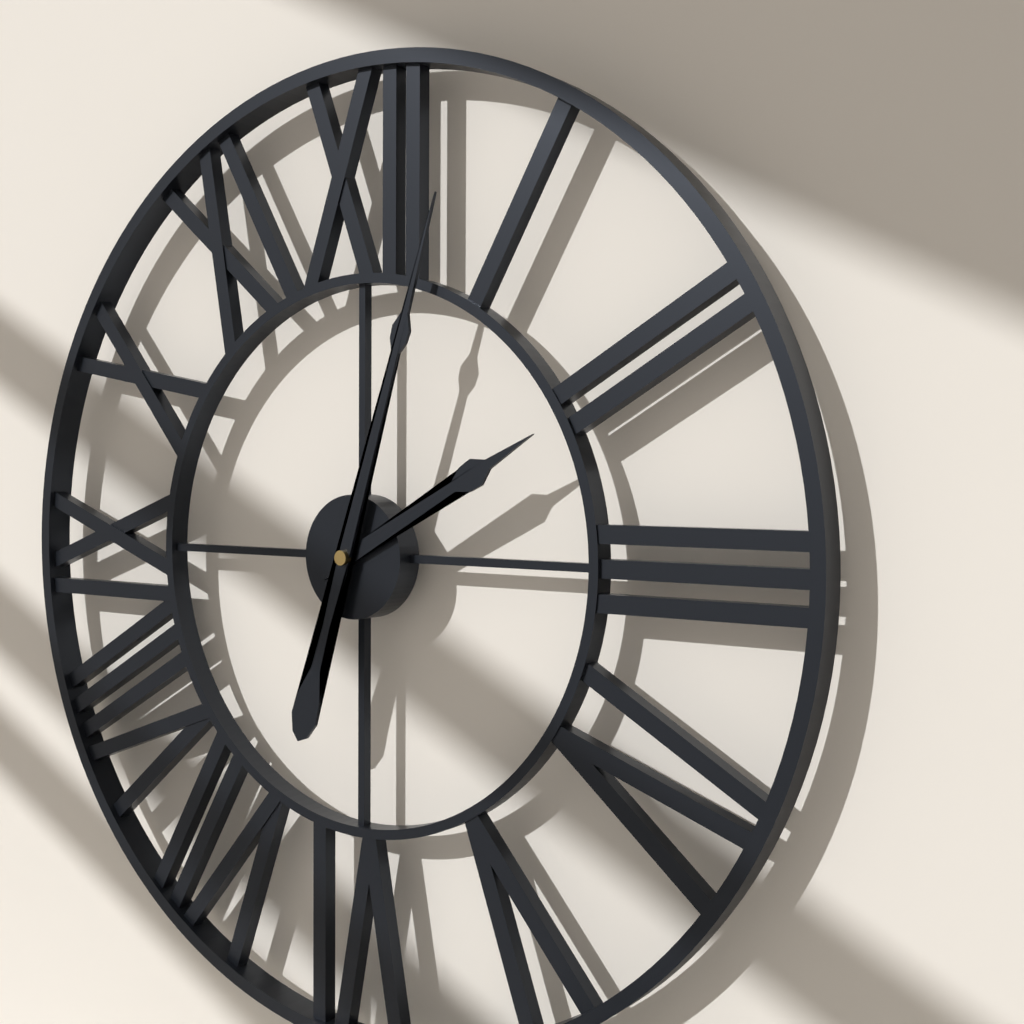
{"hour": 2, "minute": 3}
